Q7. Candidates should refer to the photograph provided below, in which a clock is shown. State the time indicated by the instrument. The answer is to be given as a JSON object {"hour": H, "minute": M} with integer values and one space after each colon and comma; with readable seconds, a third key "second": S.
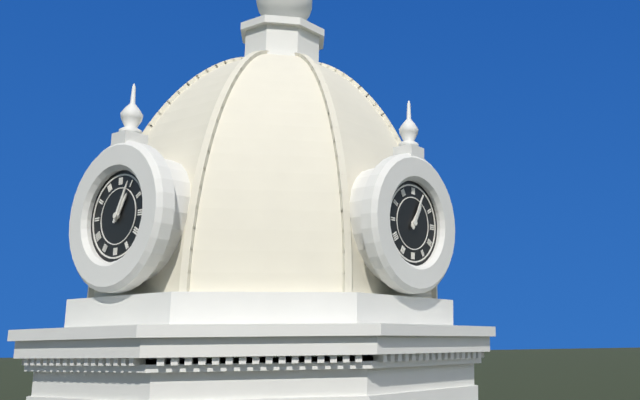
{"hour": 1, "minute": 4}
